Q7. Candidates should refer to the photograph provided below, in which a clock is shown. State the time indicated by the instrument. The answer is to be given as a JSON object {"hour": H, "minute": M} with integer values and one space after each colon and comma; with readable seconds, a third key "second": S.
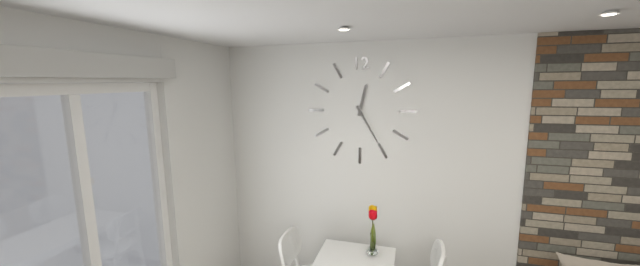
{"hour": 12, "minute": 25}
